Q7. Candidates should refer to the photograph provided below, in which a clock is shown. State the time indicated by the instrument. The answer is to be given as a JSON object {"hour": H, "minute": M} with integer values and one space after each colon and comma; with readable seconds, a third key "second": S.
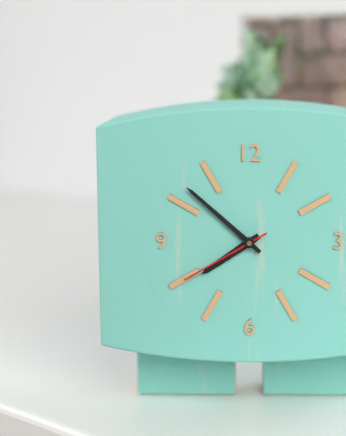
{"hour": 7, "minute": 52, "second": 40}
